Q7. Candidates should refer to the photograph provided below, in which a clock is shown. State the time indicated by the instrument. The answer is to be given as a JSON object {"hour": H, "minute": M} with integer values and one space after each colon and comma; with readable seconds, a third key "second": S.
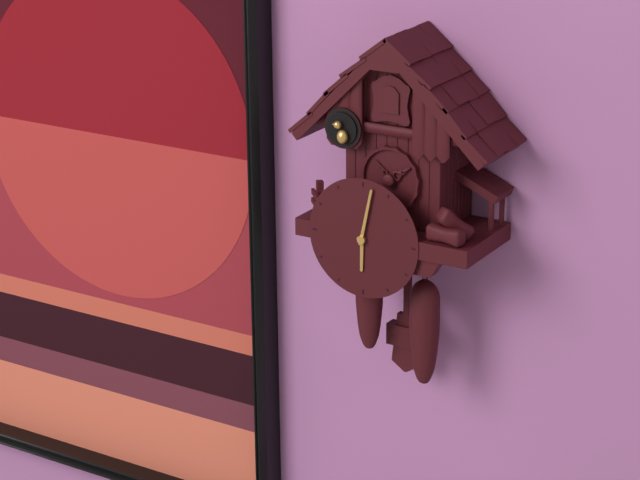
{"hour": 6, "minute": 2}
